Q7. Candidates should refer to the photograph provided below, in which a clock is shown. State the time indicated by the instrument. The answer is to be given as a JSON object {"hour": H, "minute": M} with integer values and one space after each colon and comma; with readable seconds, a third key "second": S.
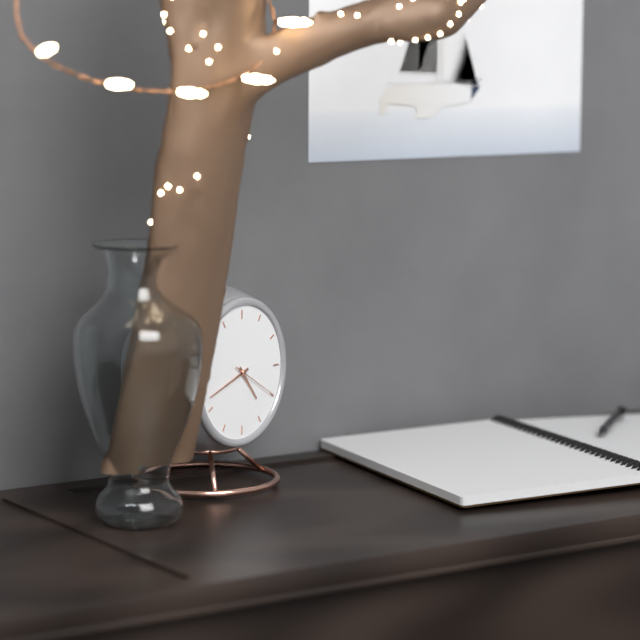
{"hour": 4, "minute": 42}
